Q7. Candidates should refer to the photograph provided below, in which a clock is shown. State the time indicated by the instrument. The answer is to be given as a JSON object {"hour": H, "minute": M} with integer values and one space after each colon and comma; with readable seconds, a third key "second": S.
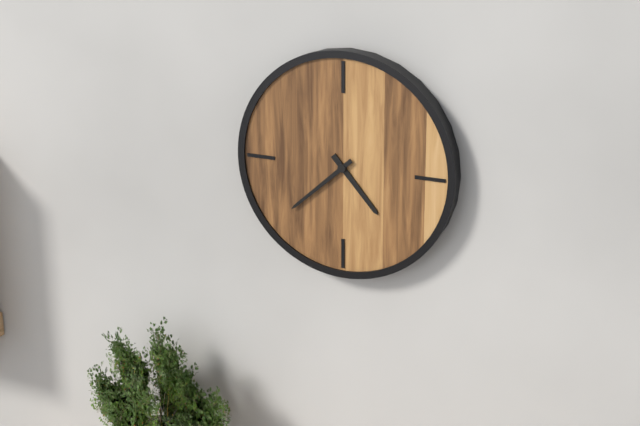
{"hour": 4, "minute": 38}
